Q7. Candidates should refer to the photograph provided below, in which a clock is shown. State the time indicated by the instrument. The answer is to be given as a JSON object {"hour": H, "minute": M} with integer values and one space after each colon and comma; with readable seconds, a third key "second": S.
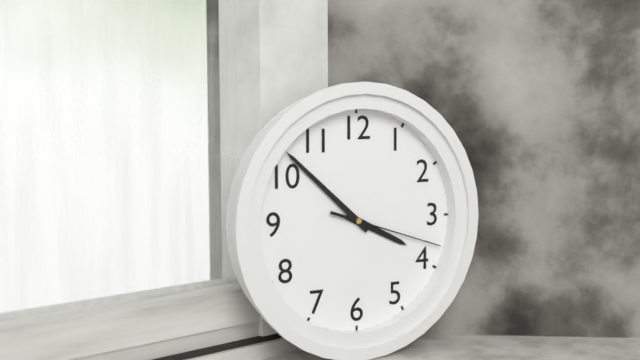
{"hour": 3, "minute": 52, "second": 18}
